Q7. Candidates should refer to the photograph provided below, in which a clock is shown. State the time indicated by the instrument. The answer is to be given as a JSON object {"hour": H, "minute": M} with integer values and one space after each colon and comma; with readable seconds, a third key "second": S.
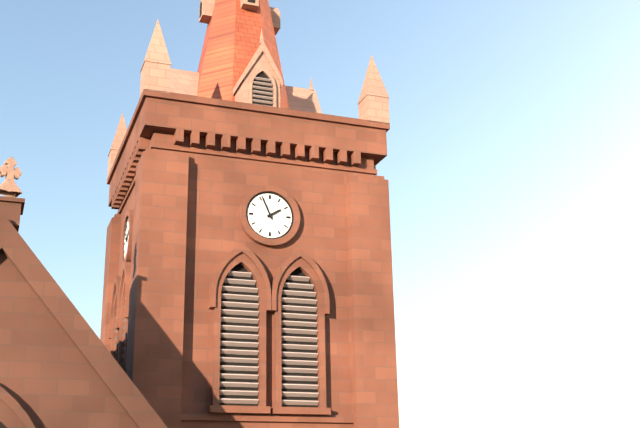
{"hour": 1, "minute": 56}
